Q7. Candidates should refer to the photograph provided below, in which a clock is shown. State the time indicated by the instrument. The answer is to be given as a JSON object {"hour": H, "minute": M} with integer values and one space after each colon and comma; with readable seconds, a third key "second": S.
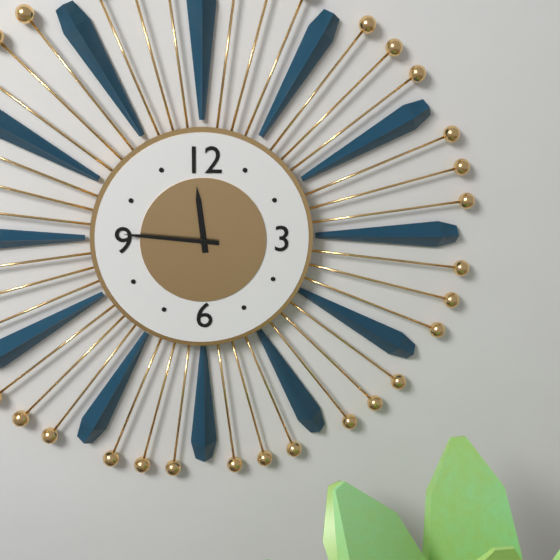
{"hour": 11, "minute": 46}
